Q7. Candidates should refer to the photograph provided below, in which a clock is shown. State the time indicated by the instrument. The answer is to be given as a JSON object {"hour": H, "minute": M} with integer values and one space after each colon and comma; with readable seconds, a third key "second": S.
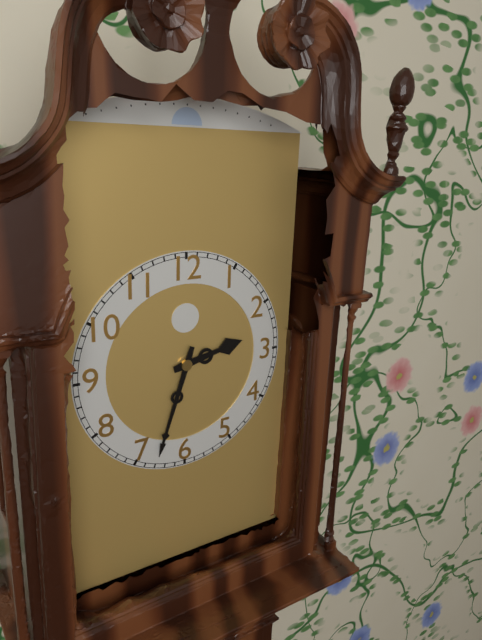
{"hour": 2, "minute": 33}
